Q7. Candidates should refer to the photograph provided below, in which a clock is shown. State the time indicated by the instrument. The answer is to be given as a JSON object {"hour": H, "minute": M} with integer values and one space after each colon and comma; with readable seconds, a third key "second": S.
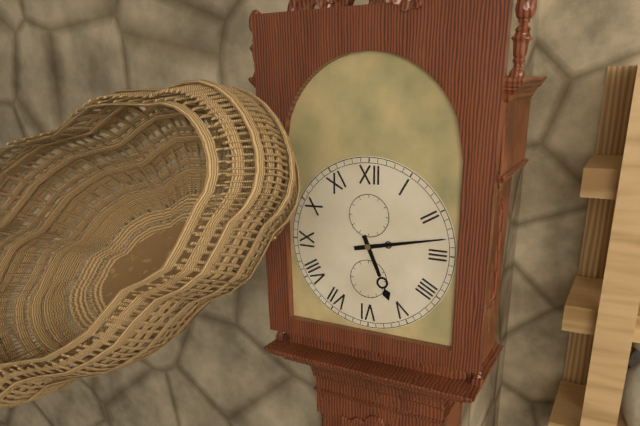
{"hour": 5, "minute": 13}
